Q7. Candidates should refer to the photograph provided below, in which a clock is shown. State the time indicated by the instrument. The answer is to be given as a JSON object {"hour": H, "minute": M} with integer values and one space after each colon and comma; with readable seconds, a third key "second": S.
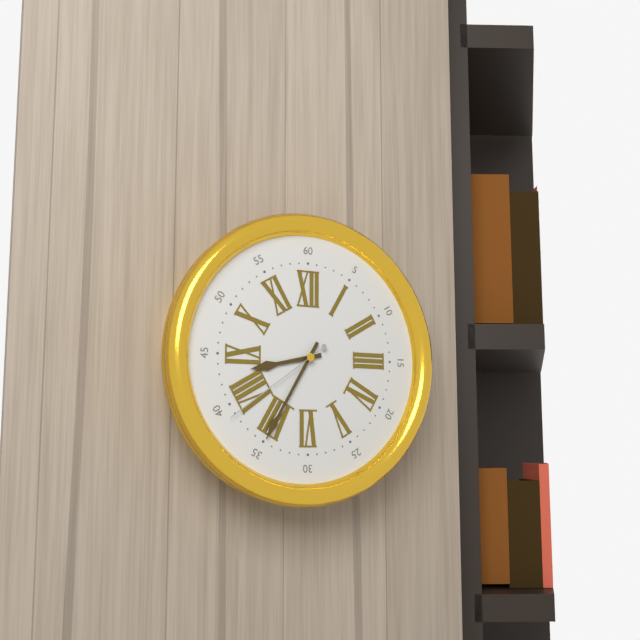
{"hour": 8, "minute": 35, "second": 39}
